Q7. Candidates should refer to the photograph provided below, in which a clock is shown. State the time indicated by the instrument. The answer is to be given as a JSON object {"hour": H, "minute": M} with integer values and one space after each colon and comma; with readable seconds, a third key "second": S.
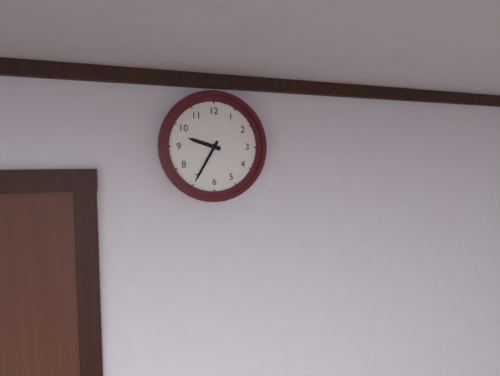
{"hour": 9, "minute": 35}
